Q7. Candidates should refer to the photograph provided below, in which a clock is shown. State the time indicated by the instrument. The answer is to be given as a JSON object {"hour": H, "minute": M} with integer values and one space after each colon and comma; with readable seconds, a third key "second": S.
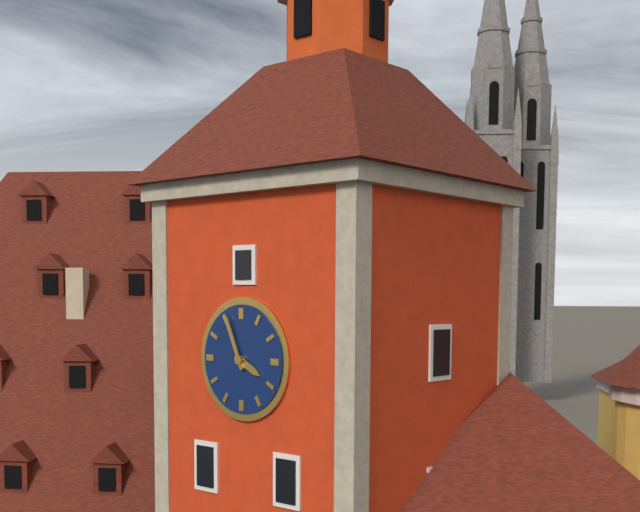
{"hour": 3, "minute": 56}
